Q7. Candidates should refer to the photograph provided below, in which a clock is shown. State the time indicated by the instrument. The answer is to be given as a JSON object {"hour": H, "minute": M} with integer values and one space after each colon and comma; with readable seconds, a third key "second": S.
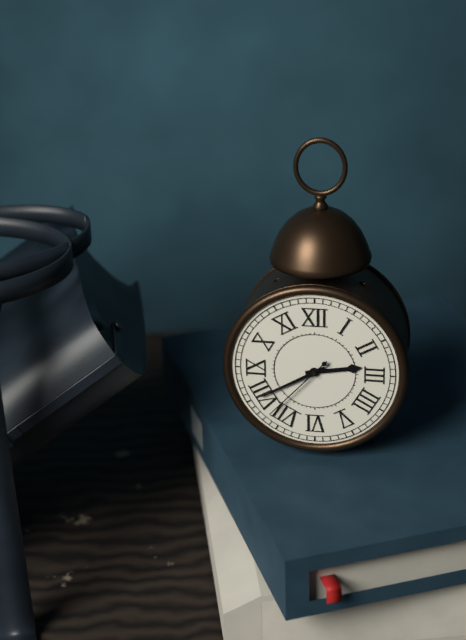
{"hour": 2, "minute": 40, "second": 37}
